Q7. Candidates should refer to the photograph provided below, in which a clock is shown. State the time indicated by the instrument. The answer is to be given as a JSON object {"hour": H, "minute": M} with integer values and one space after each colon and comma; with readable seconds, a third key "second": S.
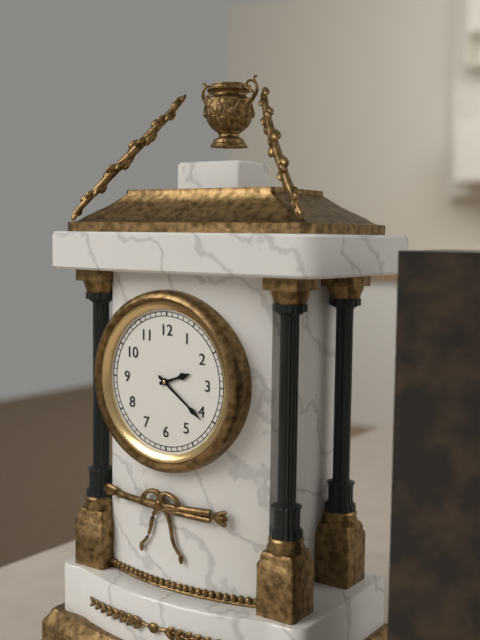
{"hour": 2, "minute": 21}
